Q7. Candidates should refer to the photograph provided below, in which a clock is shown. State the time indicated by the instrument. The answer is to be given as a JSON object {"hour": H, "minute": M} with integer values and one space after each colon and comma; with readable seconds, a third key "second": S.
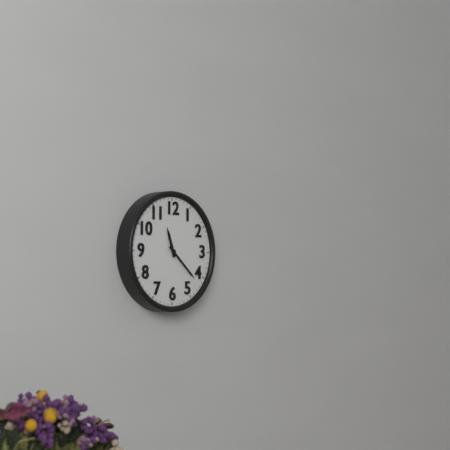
{"hour": 11, "minute": 22}
